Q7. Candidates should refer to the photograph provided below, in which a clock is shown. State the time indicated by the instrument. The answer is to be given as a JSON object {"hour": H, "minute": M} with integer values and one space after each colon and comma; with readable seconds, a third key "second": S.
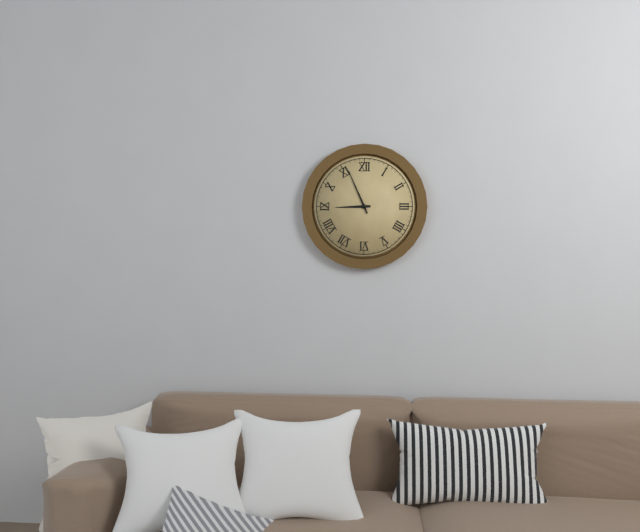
{"hour": 8, "minute": 56}
